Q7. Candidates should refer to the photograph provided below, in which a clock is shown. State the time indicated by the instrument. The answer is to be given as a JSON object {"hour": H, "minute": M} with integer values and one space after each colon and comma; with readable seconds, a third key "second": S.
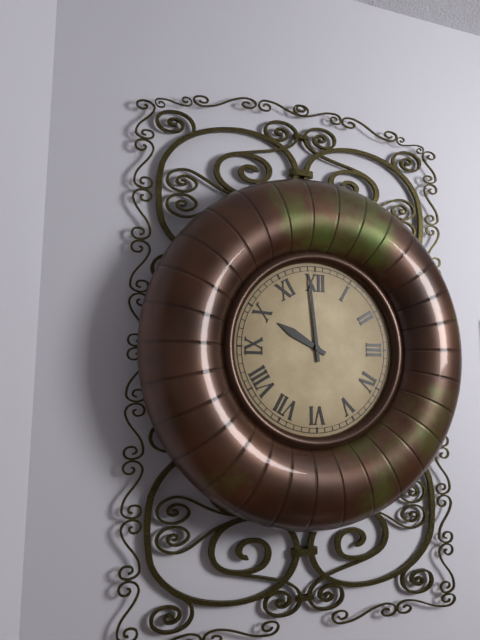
{"hour": 9, "minute": 59}
